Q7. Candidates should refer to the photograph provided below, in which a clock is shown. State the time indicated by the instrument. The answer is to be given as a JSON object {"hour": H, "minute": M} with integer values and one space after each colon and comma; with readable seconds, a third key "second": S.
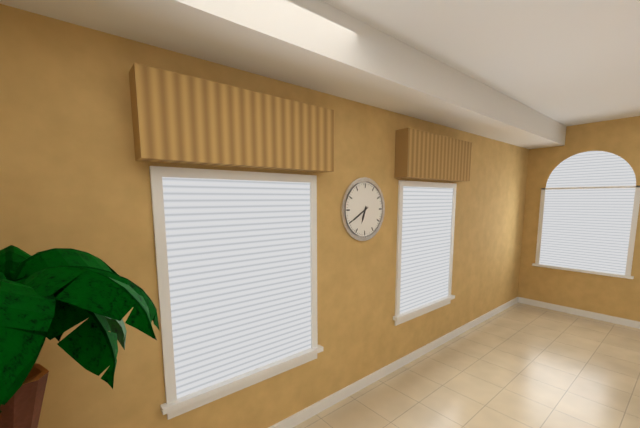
{"hour": 6, "minute": 40}
